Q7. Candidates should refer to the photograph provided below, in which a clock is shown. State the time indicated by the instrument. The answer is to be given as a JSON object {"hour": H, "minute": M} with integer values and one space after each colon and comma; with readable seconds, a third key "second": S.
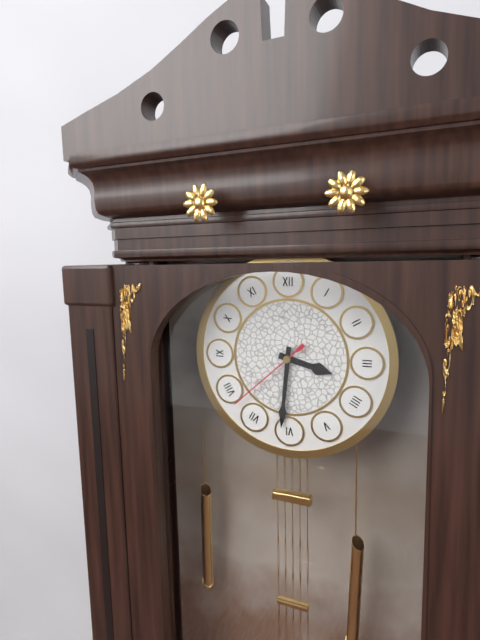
{"hour": 3, "minute": 31, "second": 38}
